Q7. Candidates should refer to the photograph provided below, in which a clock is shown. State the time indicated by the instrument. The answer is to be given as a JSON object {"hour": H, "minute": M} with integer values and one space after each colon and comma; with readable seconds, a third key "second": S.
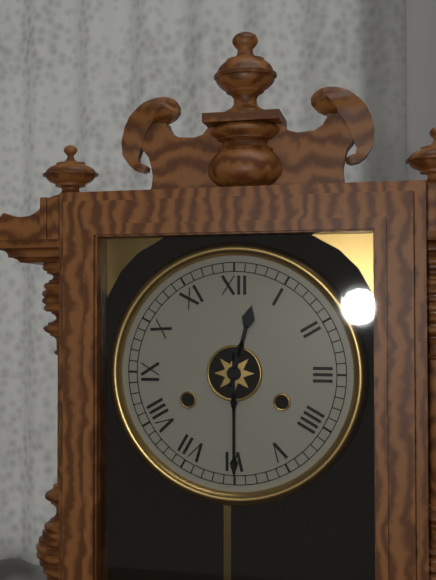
{"hour": 12, "minute": 30}
